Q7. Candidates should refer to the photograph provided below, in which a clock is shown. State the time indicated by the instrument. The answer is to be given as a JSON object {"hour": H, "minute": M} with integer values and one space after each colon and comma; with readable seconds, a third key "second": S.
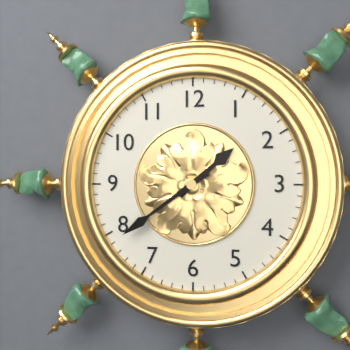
{"hour": 1, "minute": 39}
